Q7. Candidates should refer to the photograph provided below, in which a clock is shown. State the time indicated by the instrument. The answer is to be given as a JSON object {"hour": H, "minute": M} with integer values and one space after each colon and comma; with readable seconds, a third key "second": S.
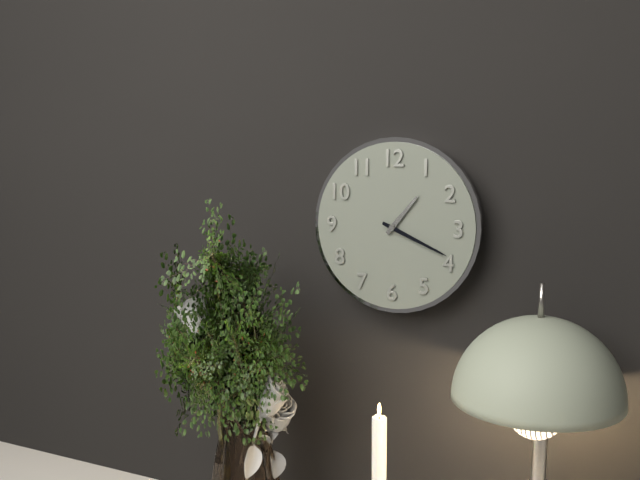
{"hour": 1, "minute": 19}
